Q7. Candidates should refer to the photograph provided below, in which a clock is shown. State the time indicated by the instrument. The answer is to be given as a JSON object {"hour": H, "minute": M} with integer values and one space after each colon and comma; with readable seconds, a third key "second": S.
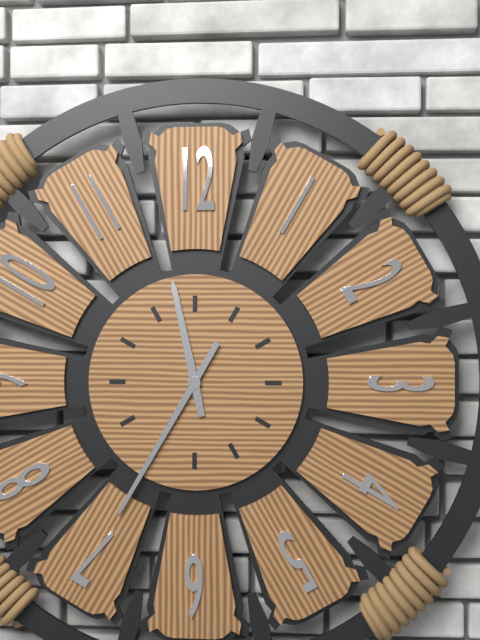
{"hour": 11, "minute": 35}
